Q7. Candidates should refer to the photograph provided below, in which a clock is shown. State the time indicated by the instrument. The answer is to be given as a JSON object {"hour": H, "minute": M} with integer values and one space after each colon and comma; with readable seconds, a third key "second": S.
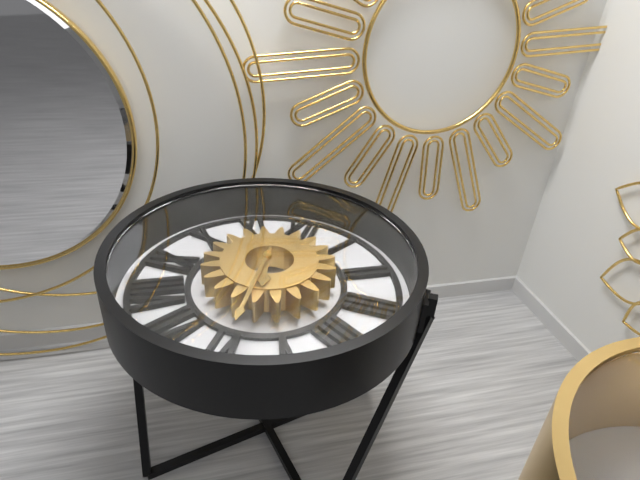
{"hour": 5, "minute": 29}
